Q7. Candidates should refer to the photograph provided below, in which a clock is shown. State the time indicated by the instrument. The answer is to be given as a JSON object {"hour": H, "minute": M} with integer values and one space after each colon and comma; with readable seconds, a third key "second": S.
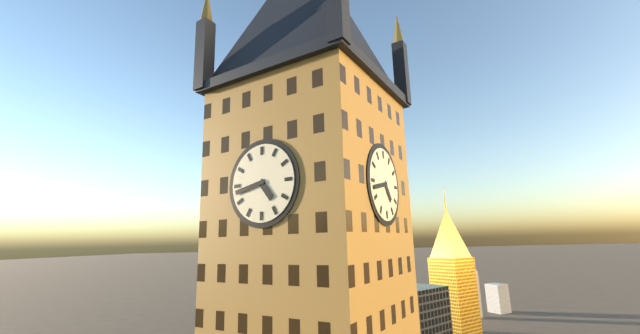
{"hour": 4, "minute": 43}
